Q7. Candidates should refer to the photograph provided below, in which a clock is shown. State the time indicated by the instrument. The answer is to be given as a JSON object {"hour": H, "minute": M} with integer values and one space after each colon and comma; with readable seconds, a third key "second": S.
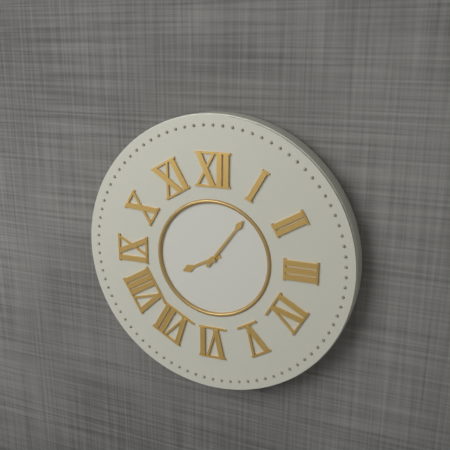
{"hour": 8, "minute": 6}
